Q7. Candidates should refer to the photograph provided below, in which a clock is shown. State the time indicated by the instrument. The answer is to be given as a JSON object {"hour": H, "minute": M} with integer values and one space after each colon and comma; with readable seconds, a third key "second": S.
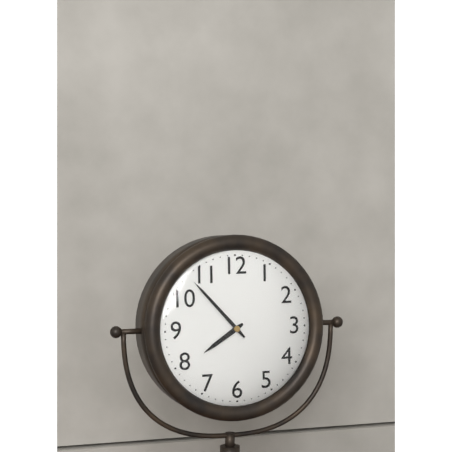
{"hour": 7, "minute": 53}
